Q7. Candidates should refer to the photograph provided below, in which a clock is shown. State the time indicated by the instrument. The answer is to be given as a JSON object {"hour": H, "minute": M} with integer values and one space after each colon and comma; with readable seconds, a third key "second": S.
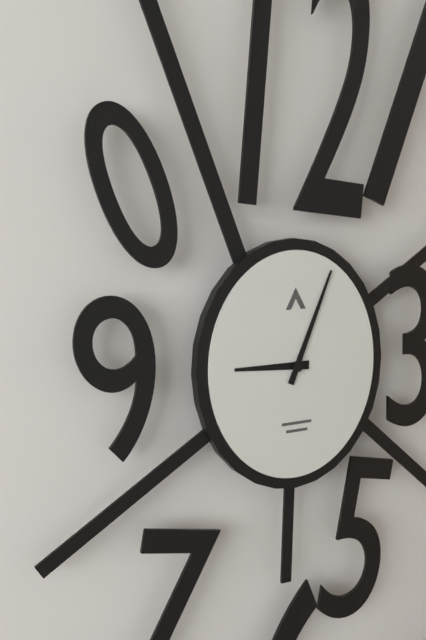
{"hour": 9, "minute": 4}
